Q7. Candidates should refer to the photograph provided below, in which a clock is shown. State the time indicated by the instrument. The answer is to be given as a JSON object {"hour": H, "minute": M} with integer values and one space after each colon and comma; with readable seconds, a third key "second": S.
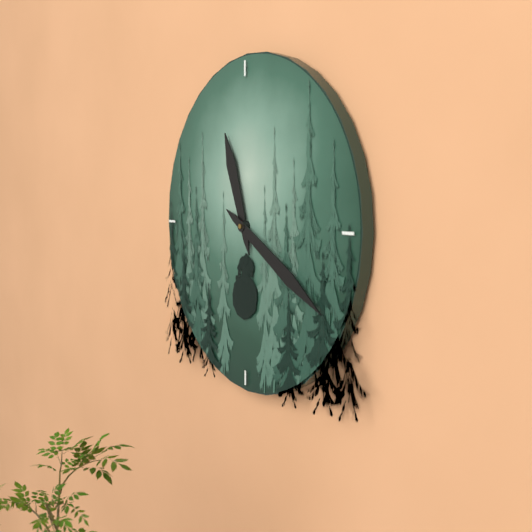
{"hour": 11, "minute": 20}
